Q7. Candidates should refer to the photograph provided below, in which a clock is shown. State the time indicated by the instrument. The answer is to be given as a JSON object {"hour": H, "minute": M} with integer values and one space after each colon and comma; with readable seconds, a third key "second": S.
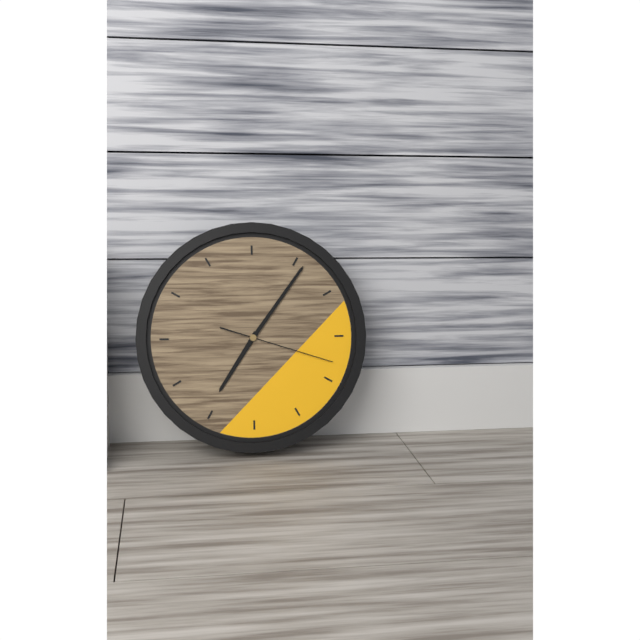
{"hour": 7, "minute": 6, "second": 18}
